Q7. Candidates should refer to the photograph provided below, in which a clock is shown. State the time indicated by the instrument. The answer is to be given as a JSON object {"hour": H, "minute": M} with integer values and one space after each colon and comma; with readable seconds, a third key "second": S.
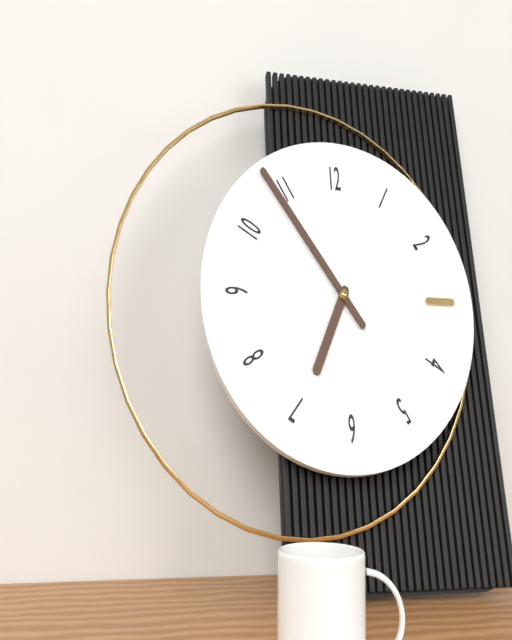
{"hour": 6, "minute": 54}
